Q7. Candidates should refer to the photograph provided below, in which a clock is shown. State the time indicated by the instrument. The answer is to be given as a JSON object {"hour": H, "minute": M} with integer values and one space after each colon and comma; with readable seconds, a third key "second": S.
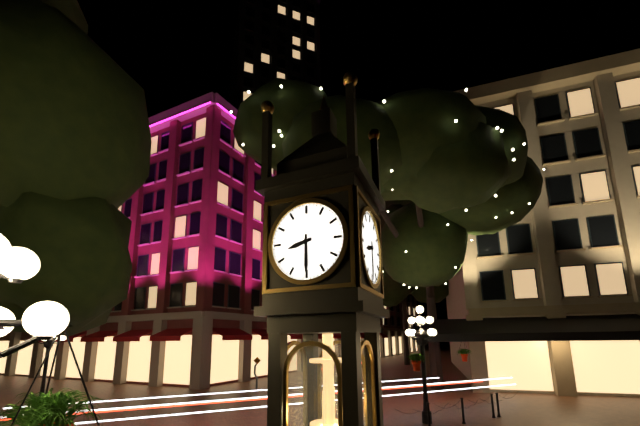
{"hour": 8, "minute": 30}
